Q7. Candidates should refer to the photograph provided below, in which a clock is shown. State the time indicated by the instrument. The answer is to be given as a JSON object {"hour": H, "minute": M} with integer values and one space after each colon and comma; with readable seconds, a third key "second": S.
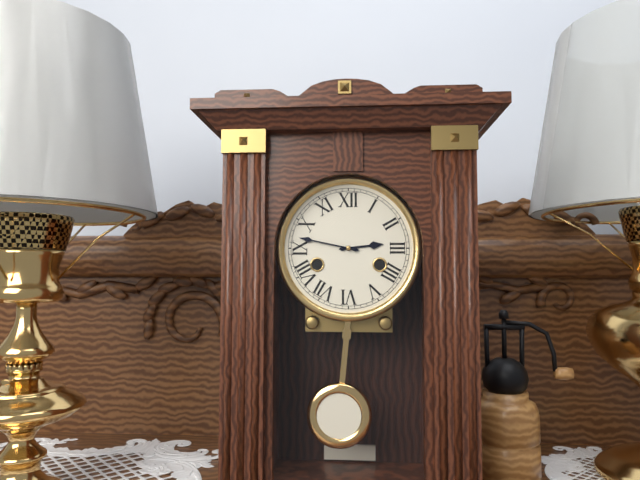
{"hour": 2, "minute": 47}
